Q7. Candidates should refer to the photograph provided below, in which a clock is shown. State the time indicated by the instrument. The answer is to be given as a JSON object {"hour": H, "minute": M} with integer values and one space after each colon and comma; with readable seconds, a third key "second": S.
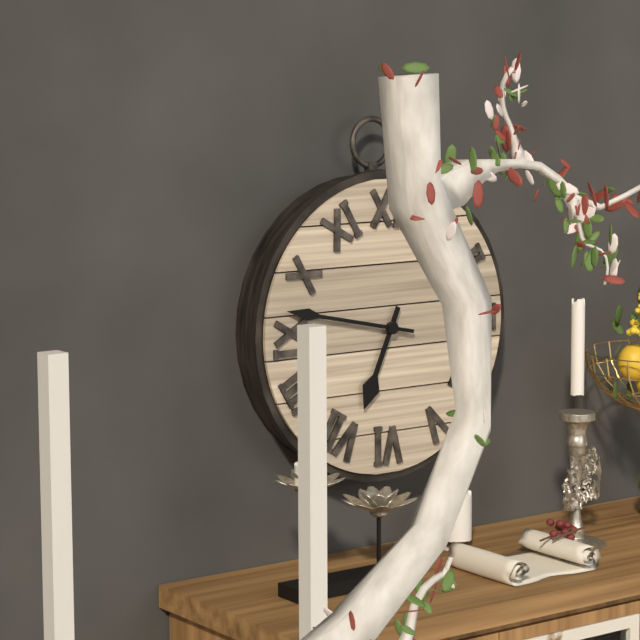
{"hour": 6, "minute": 47}
